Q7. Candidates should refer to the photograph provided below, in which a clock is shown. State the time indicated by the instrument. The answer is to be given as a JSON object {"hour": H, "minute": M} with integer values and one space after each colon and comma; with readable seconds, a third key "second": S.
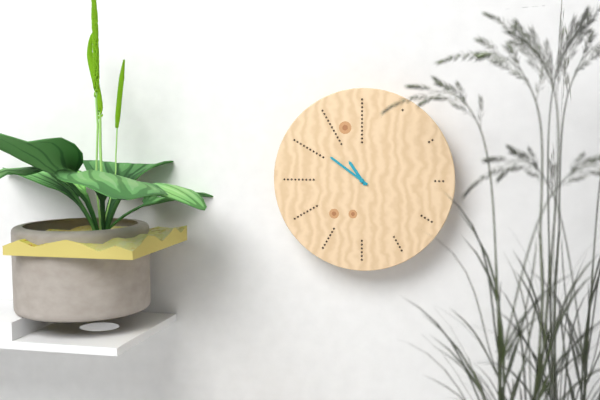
{"hour": 10, "minute": 51}
